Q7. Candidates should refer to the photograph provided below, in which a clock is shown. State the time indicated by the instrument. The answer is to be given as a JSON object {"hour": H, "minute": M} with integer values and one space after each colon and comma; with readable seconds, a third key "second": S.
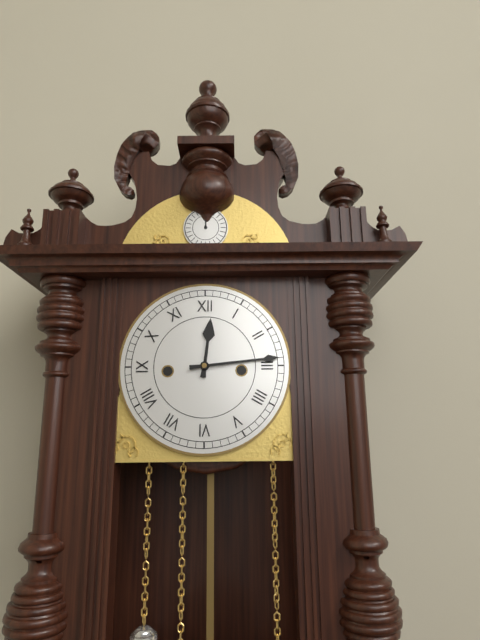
{"hour": 12, "minute": 14}
